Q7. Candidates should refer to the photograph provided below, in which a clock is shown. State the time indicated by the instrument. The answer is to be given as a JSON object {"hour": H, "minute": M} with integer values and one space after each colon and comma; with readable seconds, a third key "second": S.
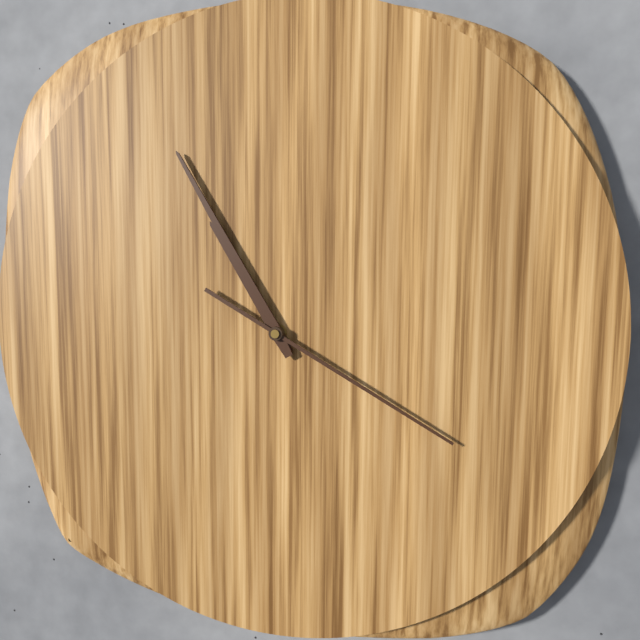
{"hour": 10, "minute": 55, "second": 20}
